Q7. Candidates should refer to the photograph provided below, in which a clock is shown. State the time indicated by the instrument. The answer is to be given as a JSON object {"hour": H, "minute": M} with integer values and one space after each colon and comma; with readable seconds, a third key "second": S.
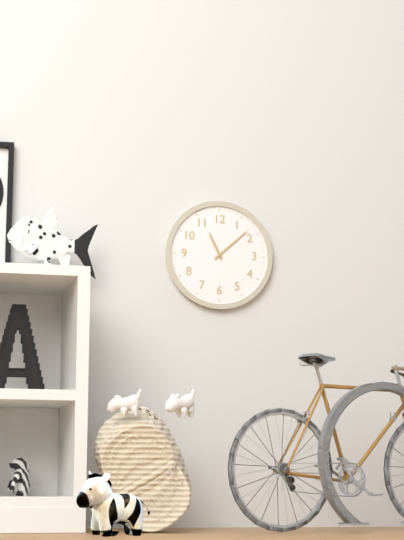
{"hour": 11, "minute": 8}
